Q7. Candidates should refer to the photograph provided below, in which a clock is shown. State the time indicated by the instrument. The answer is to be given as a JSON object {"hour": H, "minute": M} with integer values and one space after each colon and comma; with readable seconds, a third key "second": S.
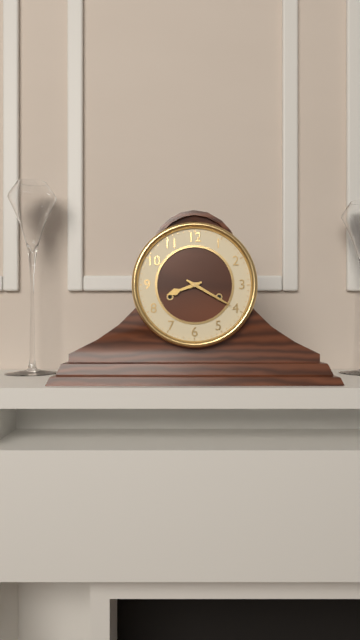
{"hour": 8, "minute": 20}
